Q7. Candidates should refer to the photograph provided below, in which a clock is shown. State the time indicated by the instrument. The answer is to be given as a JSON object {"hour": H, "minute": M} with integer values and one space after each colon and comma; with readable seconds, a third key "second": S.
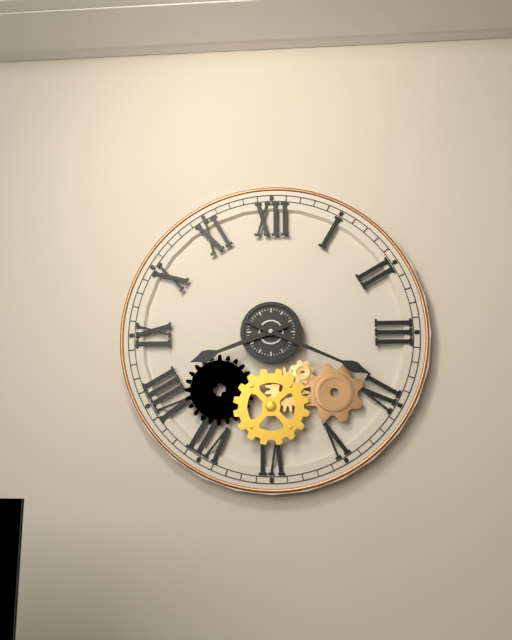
{"hour": 8, "minute": 19}
